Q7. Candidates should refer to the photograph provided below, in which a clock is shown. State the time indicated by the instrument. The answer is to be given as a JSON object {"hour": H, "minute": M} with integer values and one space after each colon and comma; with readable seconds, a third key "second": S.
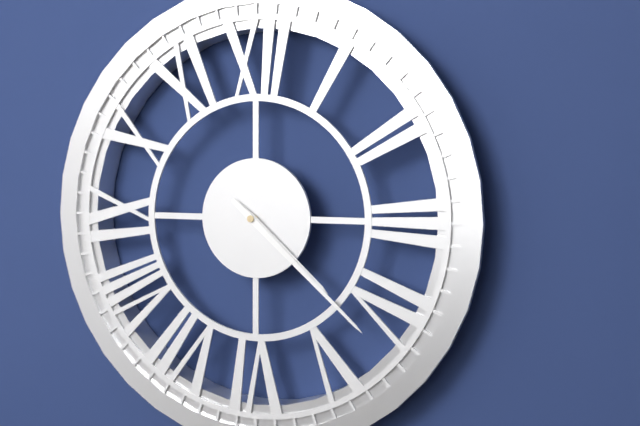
{"hour": 4, "minute": 22}
